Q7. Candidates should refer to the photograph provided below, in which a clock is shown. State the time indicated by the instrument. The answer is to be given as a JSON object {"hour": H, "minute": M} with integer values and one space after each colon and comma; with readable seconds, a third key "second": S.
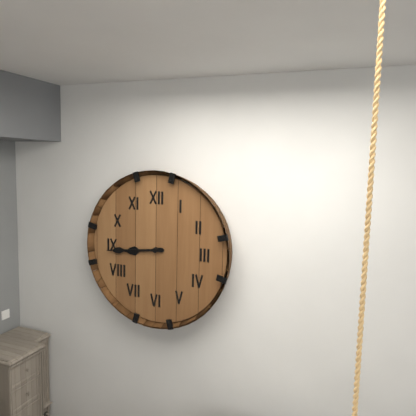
{"hour": 8, "minute": 44}
